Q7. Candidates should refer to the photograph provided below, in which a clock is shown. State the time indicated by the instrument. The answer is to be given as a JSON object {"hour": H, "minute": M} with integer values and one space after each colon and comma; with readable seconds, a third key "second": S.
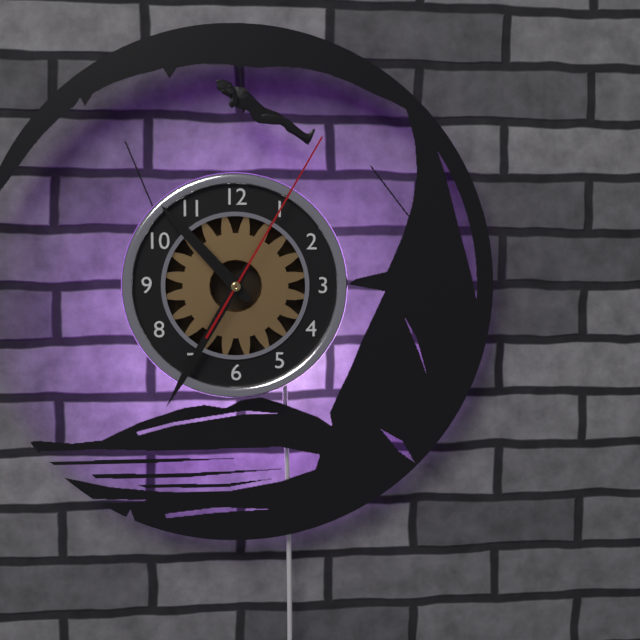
{"hour": 10, "minute": 35, "second": 5}
